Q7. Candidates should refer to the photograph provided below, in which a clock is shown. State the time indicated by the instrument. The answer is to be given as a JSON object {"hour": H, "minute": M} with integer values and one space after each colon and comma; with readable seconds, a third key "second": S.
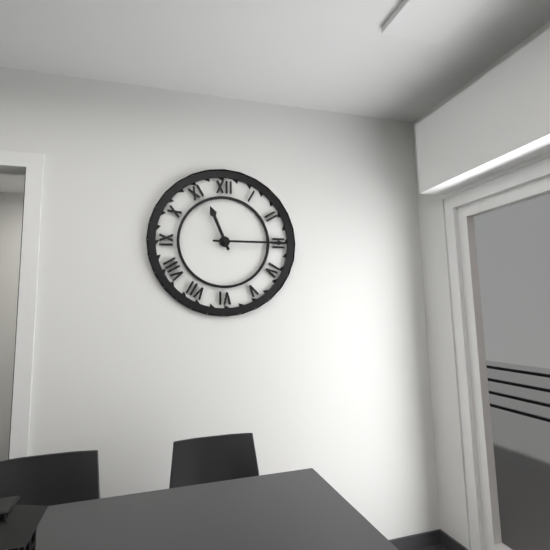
{"hour": 11, "minute": 15}
